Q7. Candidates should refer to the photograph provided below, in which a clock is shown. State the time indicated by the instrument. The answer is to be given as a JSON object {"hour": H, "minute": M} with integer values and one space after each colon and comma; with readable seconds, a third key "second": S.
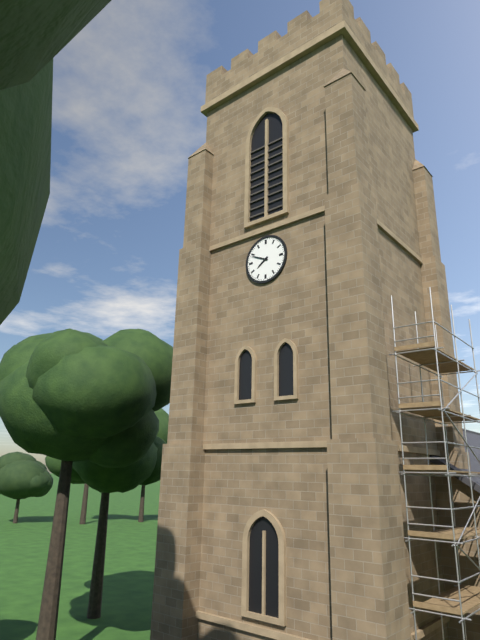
{"hour": 7, "minute": 49}
